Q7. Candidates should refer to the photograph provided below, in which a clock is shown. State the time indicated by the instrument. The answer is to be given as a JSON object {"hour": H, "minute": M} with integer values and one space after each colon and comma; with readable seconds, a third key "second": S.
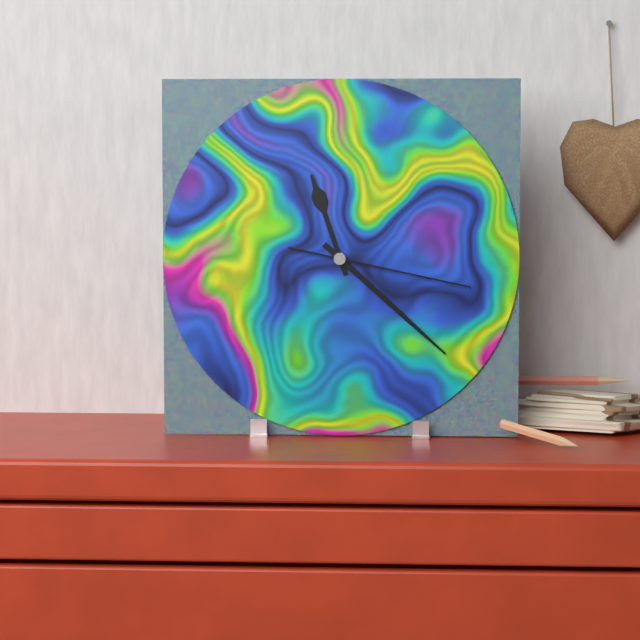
{"hour": 11, "minute": 22, "second": 17}
